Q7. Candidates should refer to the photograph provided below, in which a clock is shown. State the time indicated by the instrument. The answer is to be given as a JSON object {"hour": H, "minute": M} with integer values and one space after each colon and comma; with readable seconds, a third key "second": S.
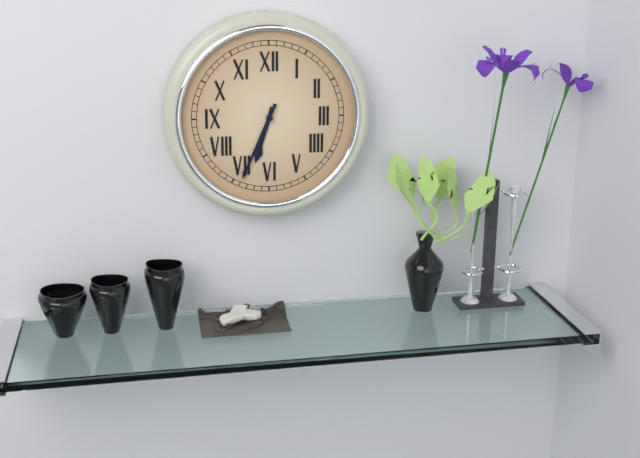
{"hour": 6, "minute": 34}
